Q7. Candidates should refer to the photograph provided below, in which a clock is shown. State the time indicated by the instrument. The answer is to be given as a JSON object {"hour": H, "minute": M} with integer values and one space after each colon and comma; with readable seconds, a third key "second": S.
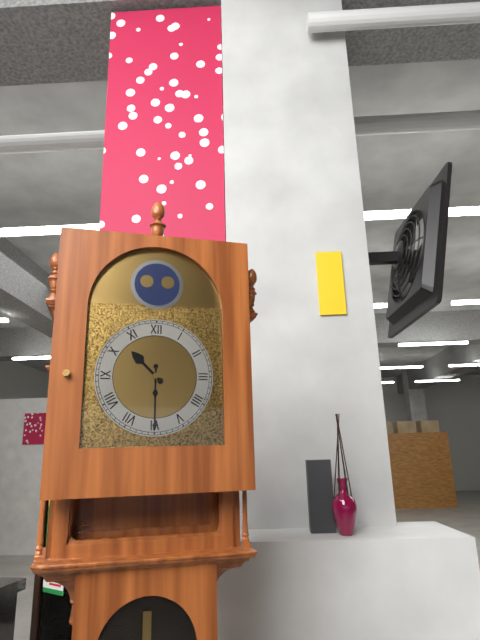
{"hour": 10, "minute": 30}
